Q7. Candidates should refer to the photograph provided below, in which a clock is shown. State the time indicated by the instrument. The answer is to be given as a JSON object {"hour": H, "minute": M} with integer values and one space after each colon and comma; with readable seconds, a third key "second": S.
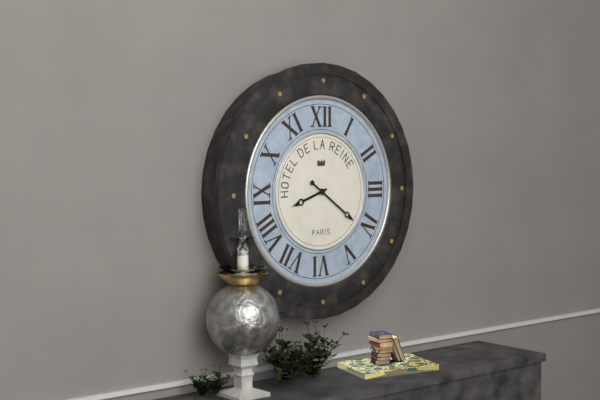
{"hour": 8, "minute": 21}
